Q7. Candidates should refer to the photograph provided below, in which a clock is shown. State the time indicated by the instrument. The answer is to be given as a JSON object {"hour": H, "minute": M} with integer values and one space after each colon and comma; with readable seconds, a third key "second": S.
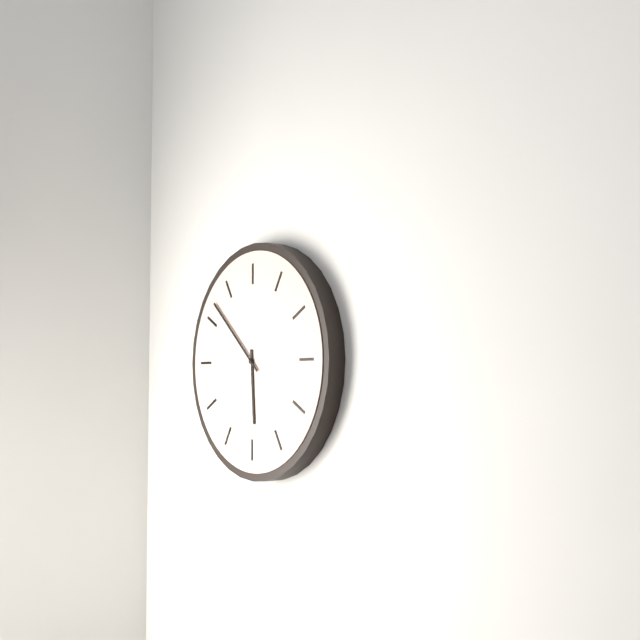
{"hour": 5, "minute": 52}
